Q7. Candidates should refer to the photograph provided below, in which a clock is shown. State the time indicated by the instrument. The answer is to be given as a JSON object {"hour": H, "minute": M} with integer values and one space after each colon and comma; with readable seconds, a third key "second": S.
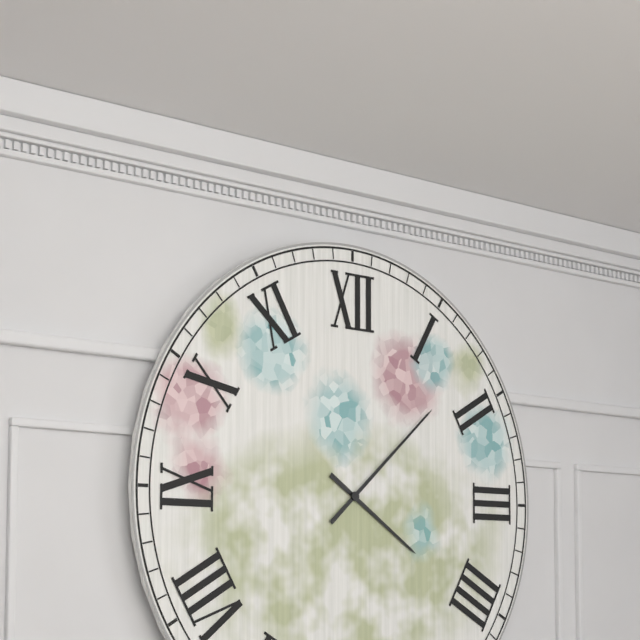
{"hour": 4, "minute": 8}
